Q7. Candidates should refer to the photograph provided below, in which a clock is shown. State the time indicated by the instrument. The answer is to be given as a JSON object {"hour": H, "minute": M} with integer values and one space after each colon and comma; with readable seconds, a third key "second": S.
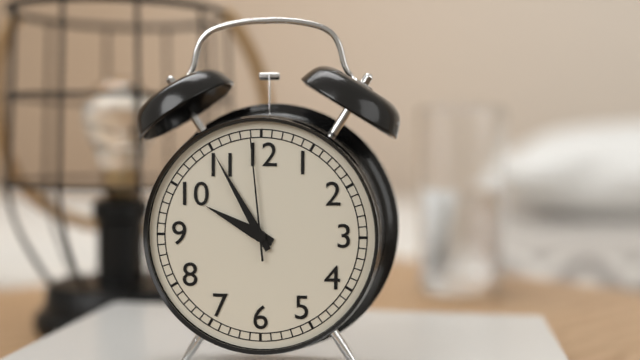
{"hour": 9, "minute": 55, "second": 59}
